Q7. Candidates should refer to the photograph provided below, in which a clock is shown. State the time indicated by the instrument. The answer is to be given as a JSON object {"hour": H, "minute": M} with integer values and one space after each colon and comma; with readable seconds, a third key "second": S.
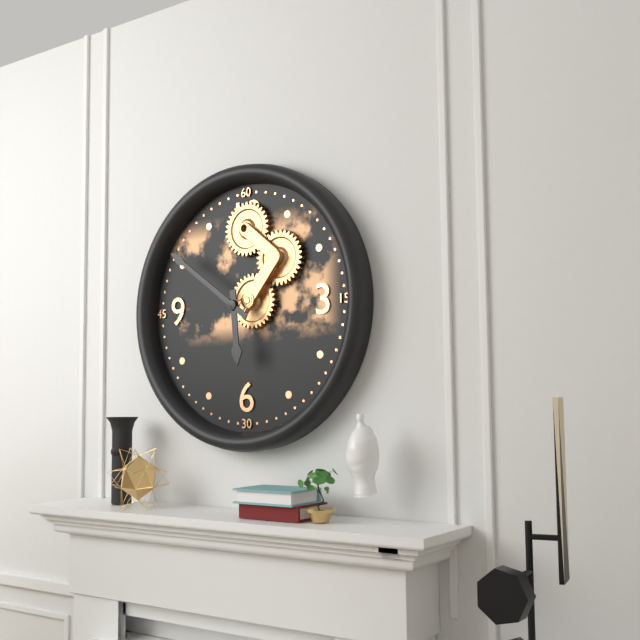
{"hour": 5, "minute": 51}
